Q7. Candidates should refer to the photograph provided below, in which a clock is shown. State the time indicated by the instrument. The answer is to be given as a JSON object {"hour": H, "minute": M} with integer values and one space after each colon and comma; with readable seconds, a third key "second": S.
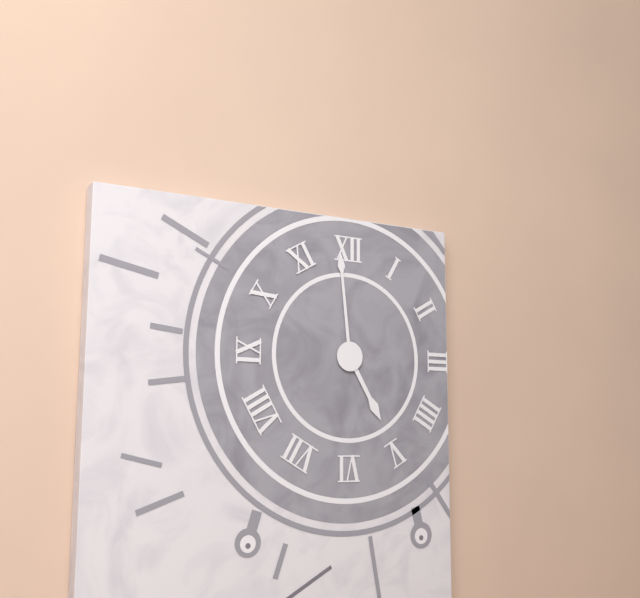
{"hour": 4, "minute": 59}
